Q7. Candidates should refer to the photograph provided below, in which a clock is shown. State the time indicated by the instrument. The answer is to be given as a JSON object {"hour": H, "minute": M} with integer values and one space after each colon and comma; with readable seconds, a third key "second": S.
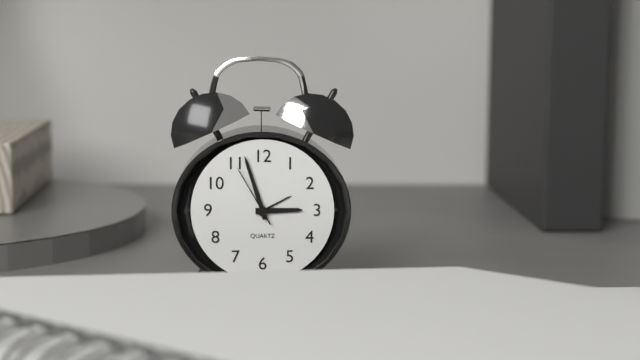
{"hour": 2, "minute": 57, "second": 55}
